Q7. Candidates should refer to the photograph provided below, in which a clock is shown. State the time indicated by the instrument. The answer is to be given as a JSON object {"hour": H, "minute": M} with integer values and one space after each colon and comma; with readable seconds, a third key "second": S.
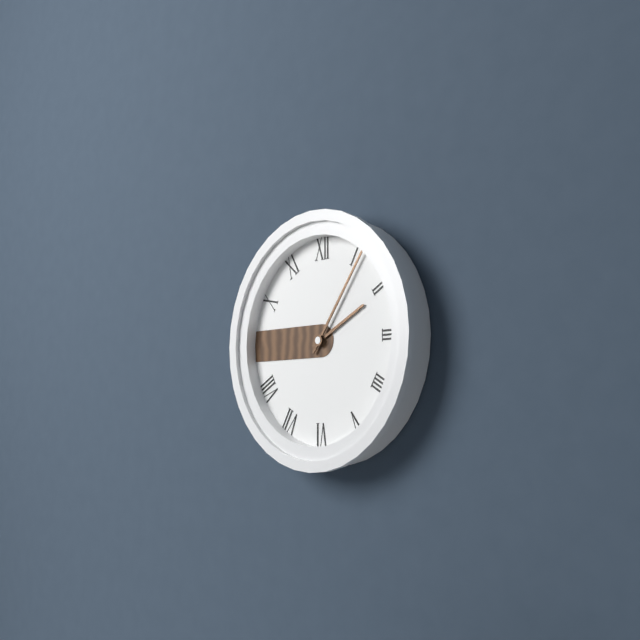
{"hour": 2, "minute": 6}
